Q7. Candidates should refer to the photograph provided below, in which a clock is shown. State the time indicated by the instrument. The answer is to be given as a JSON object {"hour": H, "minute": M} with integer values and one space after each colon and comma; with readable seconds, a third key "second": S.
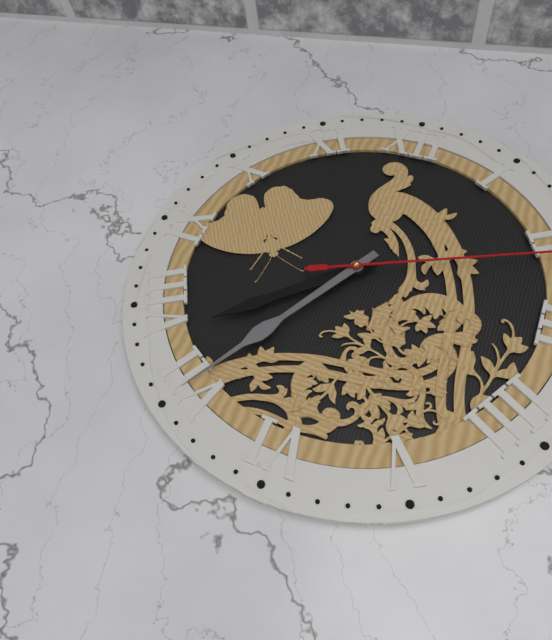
{"hour": 7, "minute": 35}
